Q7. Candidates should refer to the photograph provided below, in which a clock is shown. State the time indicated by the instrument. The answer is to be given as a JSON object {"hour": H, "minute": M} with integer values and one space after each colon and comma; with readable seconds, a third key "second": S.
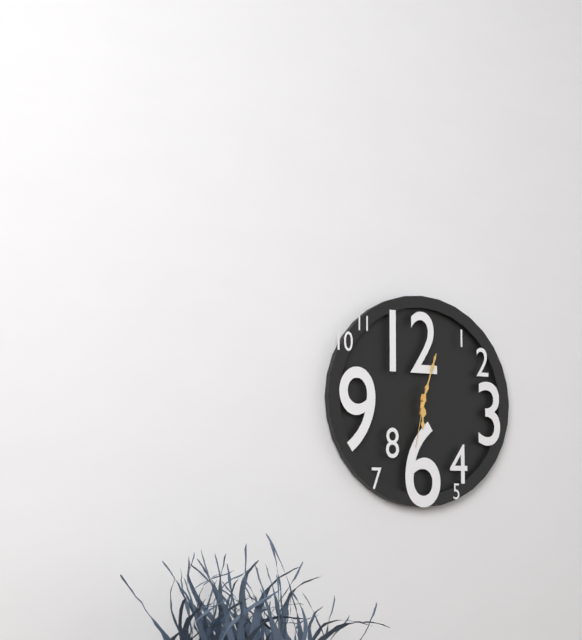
{"hour": 6, "minute": 3, "second": 32}
